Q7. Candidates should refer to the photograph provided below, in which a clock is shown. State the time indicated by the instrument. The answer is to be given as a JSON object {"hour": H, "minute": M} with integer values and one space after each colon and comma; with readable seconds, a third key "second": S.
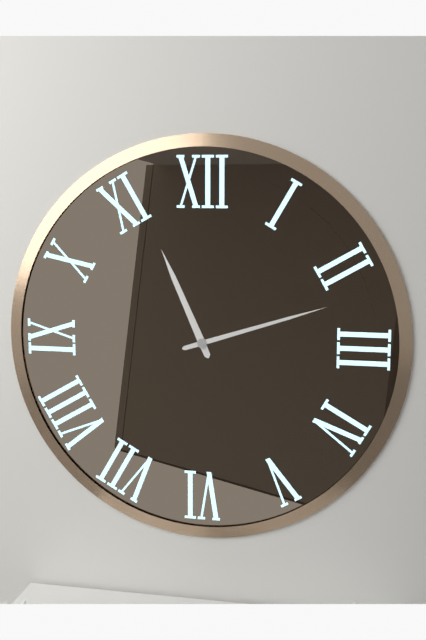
{"hour": 11, "minute": 12}
